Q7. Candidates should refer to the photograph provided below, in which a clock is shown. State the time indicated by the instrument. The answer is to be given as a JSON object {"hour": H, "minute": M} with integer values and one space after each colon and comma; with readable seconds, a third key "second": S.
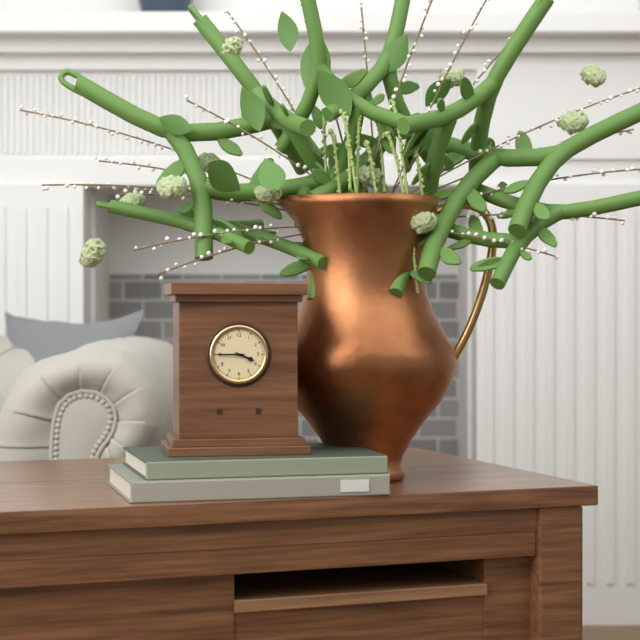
{"hour": 3, "minute": 45}
